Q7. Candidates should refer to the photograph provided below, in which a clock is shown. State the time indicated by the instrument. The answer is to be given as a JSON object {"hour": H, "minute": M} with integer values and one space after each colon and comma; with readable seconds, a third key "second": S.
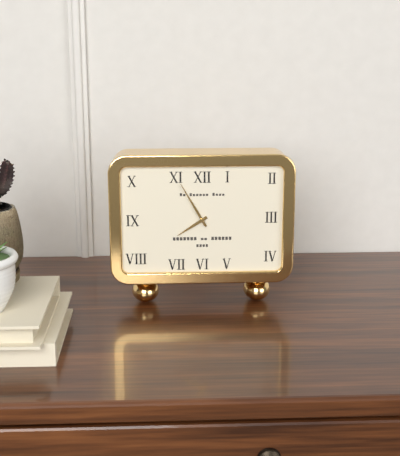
{"hour": 7, "minute": 55}
